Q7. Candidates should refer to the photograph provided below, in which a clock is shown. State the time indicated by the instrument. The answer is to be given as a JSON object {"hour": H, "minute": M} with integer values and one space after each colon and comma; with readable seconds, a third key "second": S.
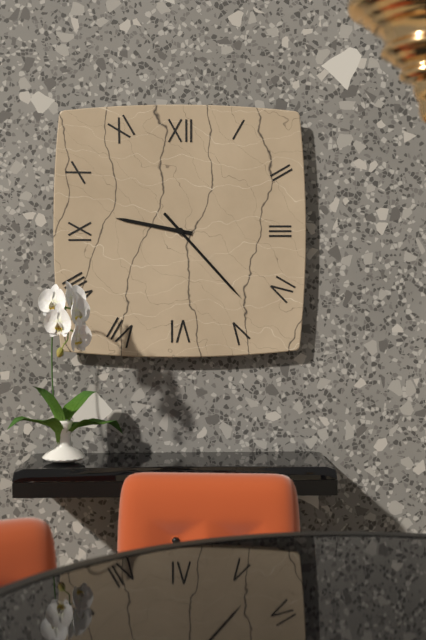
{"hour": 9, "minute": 23}
